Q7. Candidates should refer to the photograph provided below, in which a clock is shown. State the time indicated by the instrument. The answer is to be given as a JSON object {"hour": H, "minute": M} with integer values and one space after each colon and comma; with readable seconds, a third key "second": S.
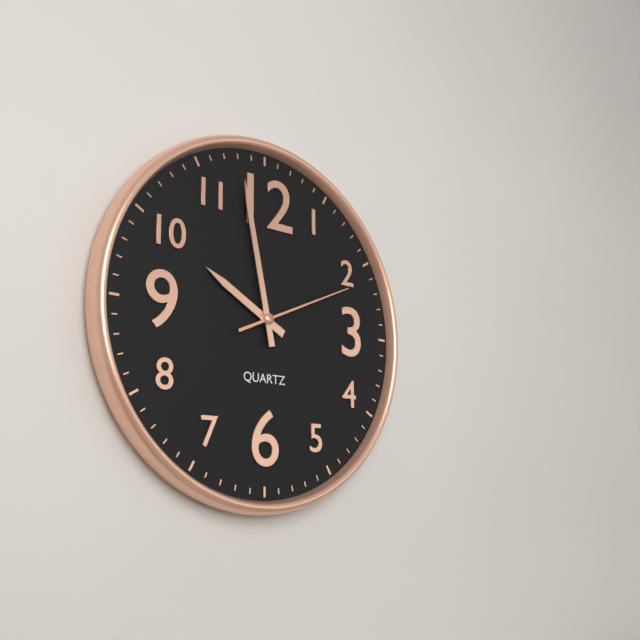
{"hour": 9, "minute": 58, "second": 11}
